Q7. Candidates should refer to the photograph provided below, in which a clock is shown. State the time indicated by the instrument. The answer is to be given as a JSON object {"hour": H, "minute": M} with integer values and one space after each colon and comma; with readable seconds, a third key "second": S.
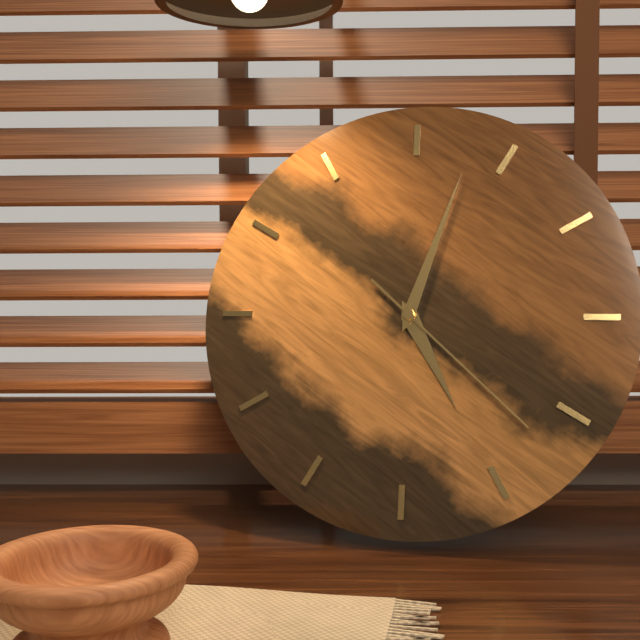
{"hour": 5, "minute": 3, "second": 22}
